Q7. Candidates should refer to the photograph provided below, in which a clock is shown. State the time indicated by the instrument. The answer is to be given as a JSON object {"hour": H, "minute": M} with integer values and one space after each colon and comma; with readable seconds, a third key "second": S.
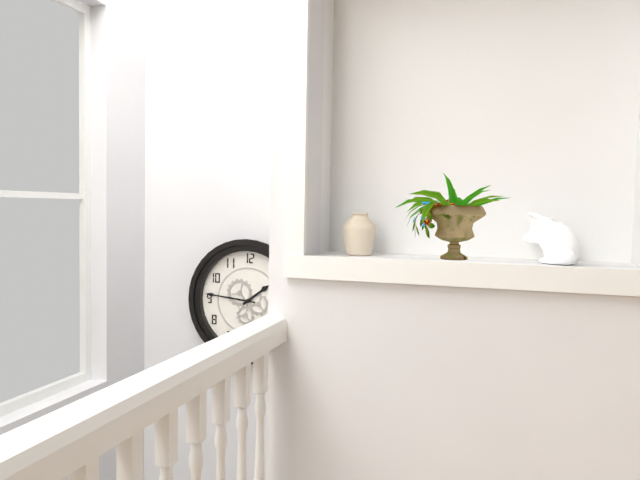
{"hour": 1, "minute": 46}
